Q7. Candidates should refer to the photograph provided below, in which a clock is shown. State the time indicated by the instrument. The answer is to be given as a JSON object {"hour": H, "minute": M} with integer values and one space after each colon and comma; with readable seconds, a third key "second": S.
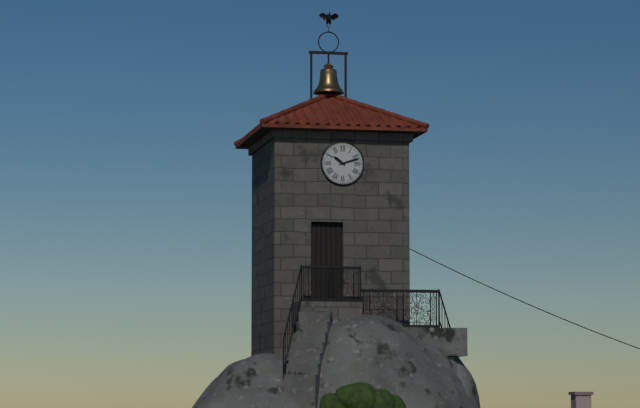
{"hour": 10, "minute": 12}
